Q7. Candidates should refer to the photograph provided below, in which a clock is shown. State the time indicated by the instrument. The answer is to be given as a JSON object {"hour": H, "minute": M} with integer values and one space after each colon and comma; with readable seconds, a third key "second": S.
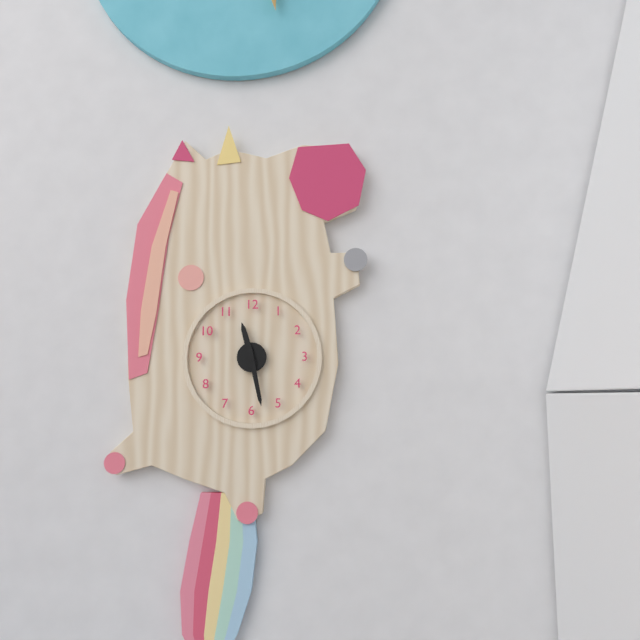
{"hour": 11, "minute": 28}
